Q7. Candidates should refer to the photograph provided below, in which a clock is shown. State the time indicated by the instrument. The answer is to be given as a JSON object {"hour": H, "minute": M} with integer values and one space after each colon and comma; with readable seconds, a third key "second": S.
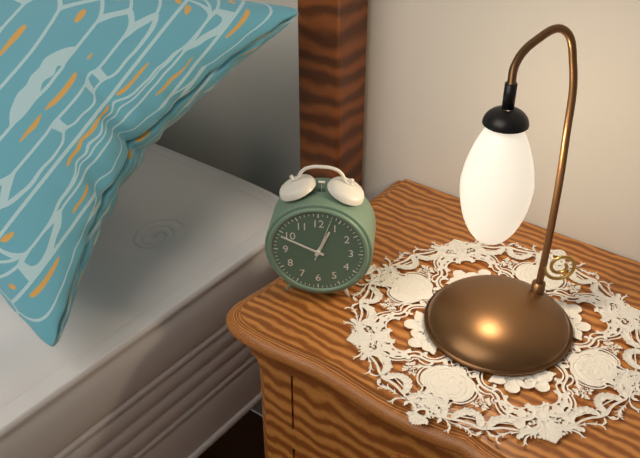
{"hour": 12, "minute": 49}
